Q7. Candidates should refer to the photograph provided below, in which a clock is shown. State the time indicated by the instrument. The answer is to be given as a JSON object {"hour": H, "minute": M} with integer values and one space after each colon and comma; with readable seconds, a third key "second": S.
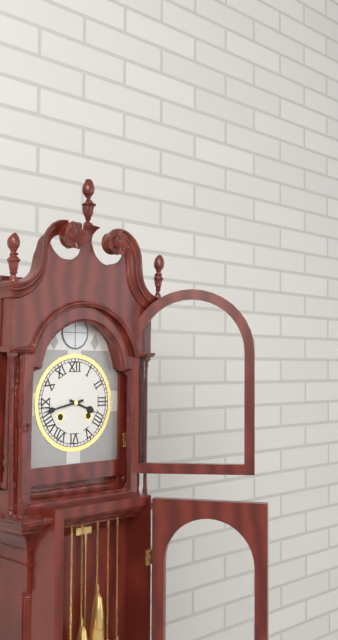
{"hour": 3, "minute": 43}
